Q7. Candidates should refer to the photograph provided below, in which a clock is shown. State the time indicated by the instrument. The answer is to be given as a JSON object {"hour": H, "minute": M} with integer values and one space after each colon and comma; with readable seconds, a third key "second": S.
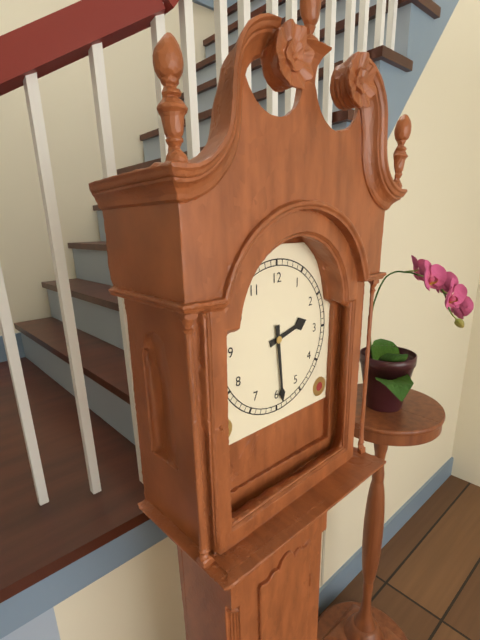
{"hour": 2, "minute": 29}
